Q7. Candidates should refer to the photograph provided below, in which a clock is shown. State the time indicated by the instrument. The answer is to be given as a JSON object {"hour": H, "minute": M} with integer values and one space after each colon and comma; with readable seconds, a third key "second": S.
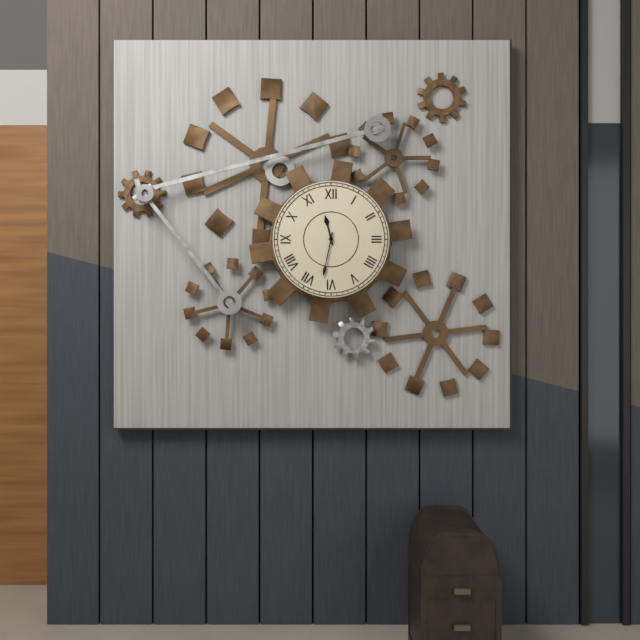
{"hour": 11, "minute": 32}
